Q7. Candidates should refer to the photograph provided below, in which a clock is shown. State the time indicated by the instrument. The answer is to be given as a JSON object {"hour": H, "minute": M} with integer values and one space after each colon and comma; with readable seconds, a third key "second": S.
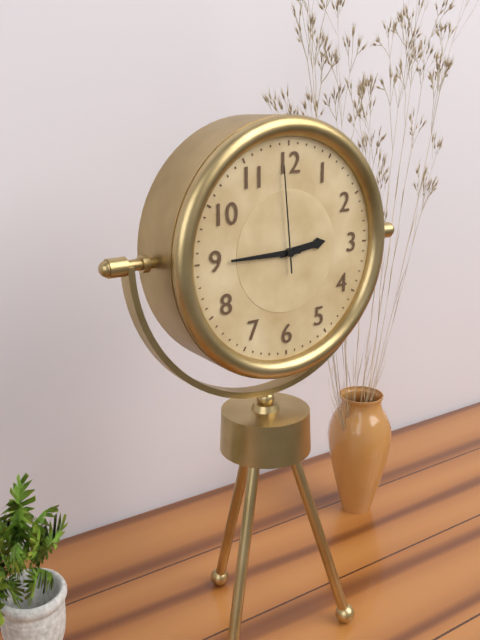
{"hour": 2, "minute": 45, "second": 59}
